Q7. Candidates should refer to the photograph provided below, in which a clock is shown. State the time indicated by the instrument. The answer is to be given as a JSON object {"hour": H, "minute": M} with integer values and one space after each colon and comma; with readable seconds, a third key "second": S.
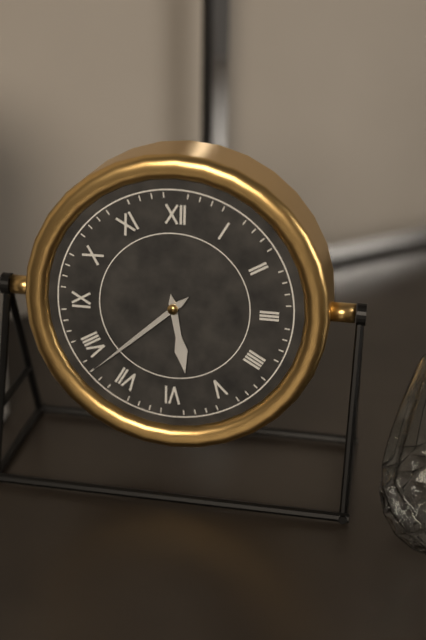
{"hour": 5, "minute": 38}
